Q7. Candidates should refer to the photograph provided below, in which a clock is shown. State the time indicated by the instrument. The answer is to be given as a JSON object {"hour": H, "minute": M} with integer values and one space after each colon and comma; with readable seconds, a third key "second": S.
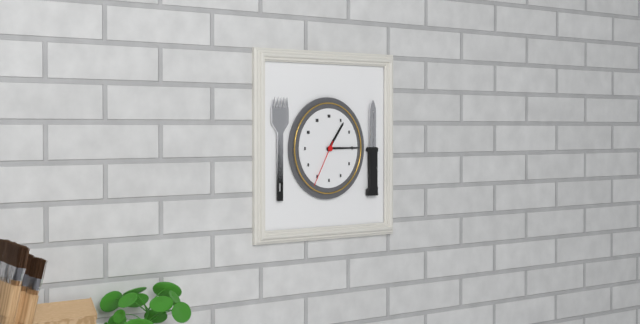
{"hour": 1, "minute": 15, "second": 35}
